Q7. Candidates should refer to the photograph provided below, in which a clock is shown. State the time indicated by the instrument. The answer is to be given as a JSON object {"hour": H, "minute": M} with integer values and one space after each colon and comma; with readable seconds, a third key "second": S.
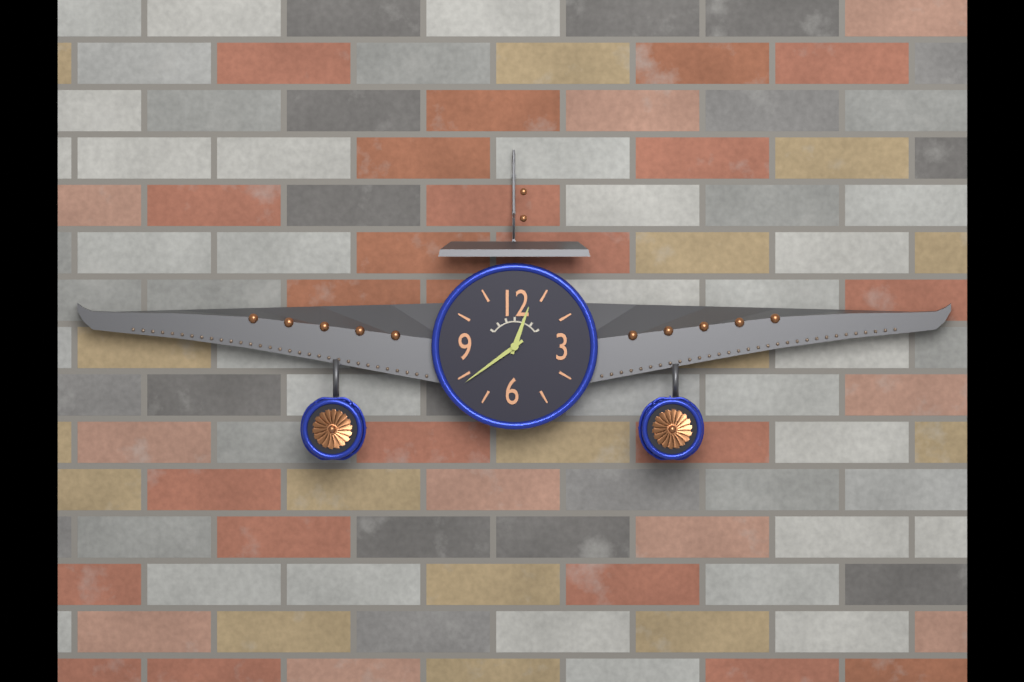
{"hour": 12, "minute": 39}
